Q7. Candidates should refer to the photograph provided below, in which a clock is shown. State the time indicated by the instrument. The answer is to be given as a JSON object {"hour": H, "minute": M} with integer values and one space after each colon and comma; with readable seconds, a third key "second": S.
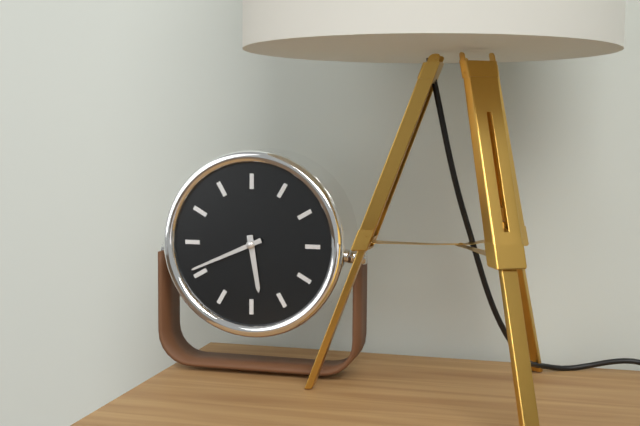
{"hour": 5, "minute": 41}
